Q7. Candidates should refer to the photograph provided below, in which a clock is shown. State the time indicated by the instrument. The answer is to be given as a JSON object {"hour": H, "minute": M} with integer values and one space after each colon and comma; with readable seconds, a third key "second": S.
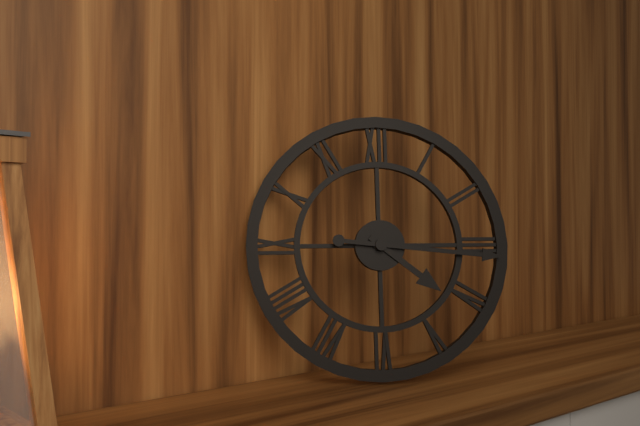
{"hour": 4, "minute": 16}
